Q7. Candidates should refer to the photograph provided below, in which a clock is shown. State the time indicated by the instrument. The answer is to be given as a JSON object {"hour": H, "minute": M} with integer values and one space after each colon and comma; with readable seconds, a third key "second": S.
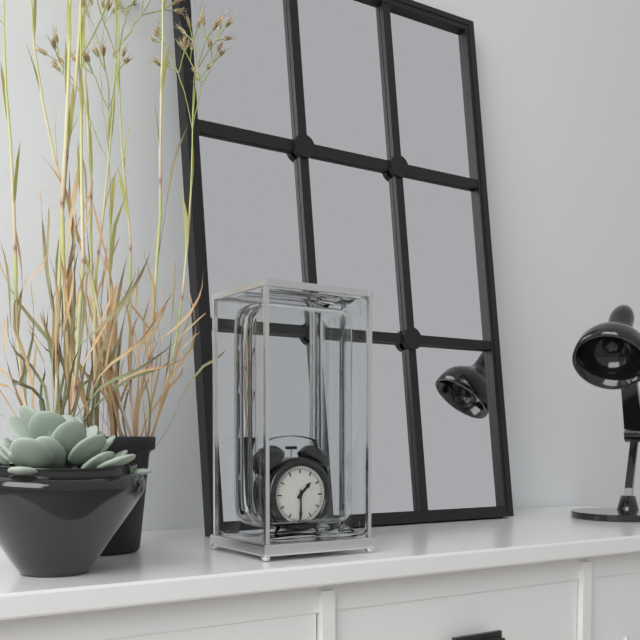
{"hour": 1, "minute": 30}
